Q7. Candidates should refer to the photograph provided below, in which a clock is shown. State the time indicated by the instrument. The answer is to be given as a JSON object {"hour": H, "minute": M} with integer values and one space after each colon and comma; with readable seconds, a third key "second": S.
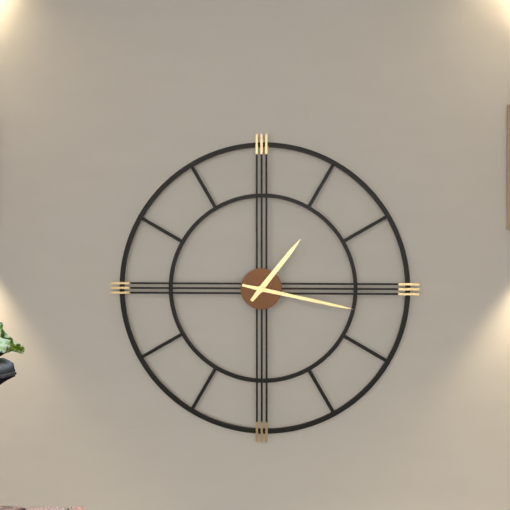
{"hour": 1, "minute": 17}
